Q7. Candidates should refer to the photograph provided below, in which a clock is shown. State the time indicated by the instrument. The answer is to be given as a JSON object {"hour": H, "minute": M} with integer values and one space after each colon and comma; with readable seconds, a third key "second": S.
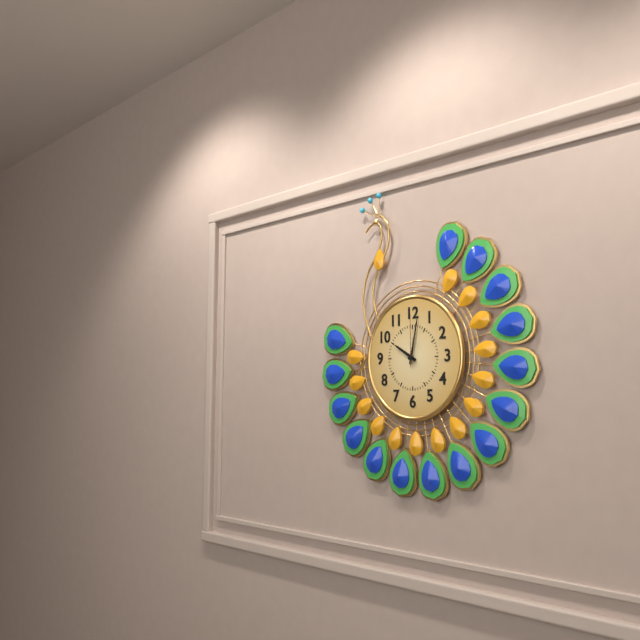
{"hour": 10, "minute": 2, "second": 0}
